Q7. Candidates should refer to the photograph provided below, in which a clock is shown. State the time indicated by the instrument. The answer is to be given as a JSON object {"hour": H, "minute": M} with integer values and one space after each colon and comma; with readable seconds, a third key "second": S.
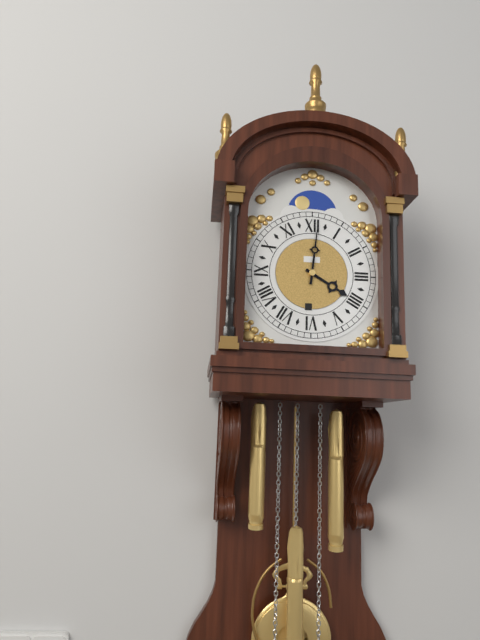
{"hour": 4, "minute": 1}
